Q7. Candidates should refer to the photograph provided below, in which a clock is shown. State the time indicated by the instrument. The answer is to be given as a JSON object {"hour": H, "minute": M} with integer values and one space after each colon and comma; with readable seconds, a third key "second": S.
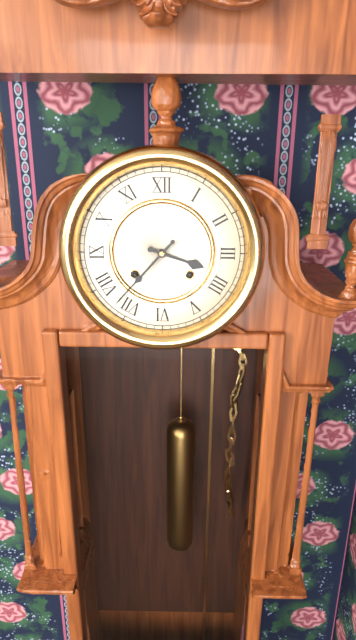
{"hour": 3, "minute": 37}
